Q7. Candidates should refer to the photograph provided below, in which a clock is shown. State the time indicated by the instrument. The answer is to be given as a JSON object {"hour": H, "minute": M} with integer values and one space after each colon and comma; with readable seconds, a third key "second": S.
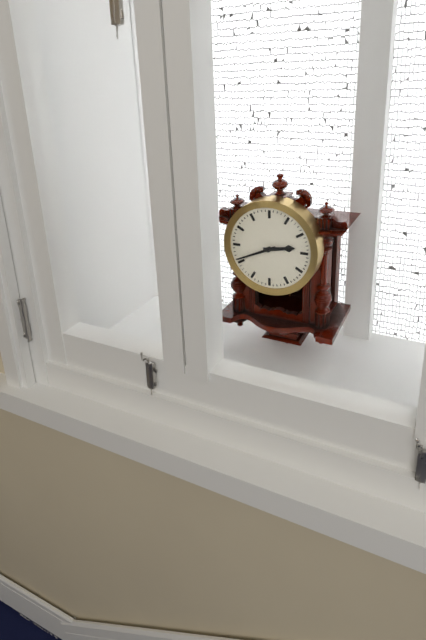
{"hour": 2, "minute": 41}
